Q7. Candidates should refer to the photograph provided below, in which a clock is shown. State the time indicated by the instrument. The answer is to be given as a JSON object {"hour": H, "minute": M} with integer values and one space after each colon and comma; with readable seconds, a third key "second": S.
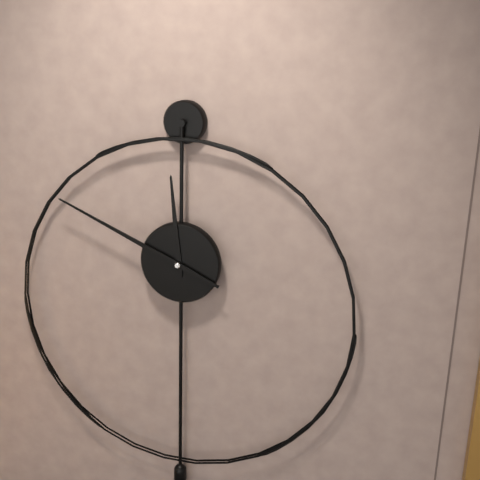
{"hour": 11, "minute": 49}
